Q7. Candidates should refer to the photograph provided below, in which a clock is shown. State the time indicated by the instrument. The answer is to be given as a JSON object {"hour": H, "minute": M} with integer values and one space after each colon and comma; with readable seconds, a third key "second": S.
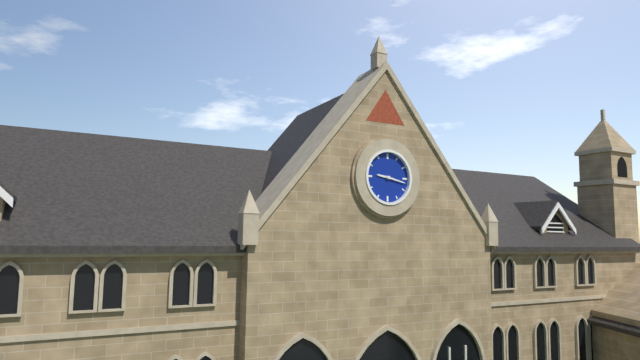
{"hour": 9, "minute": 17}
